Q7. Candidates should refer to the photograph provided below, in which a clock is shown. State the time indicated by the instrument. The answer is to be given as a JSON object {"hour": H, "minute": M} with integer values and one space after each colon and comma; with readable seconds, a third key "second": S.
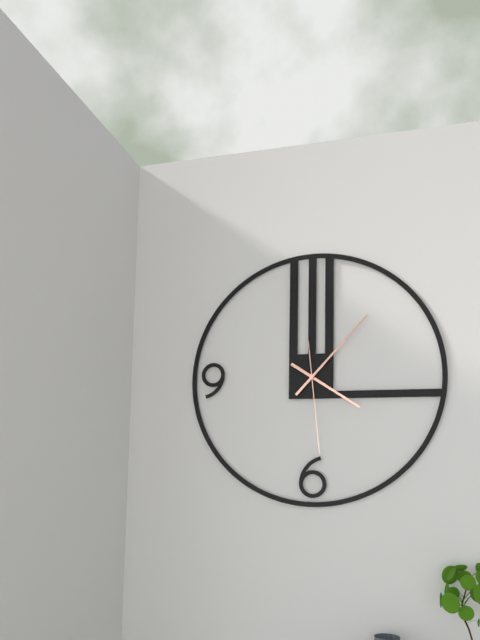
{"hour": 4, "minute": 7, "second": 29}
